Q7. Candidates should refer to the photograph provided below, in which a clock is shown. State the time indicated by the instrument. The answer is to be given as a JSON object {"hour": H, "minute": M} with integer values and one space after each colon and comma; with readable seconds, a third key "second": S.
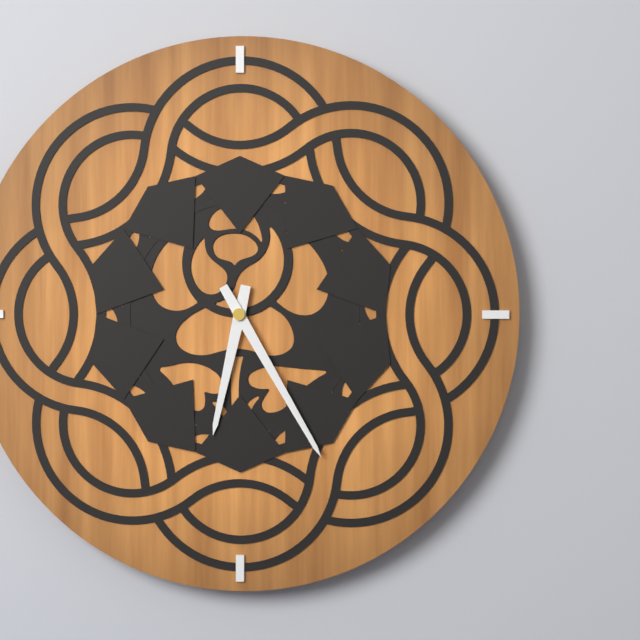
{"hour": 6, "minute": 25}
